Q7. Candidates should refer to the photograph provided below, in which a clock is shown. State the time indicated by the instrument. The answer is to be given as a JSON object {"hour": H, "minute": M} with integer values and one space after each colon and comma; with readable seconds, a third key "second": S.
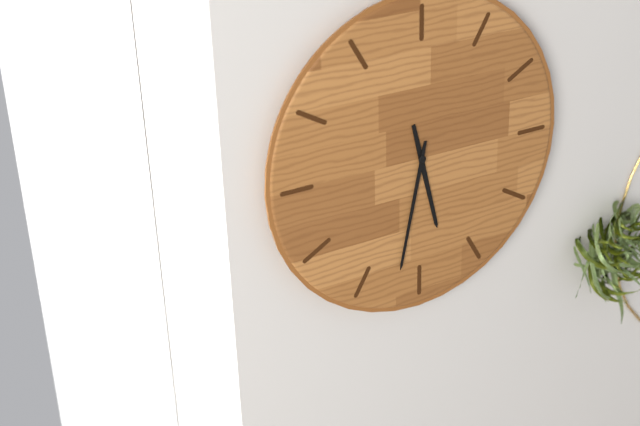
{"hour": 5, "minute": 32}
